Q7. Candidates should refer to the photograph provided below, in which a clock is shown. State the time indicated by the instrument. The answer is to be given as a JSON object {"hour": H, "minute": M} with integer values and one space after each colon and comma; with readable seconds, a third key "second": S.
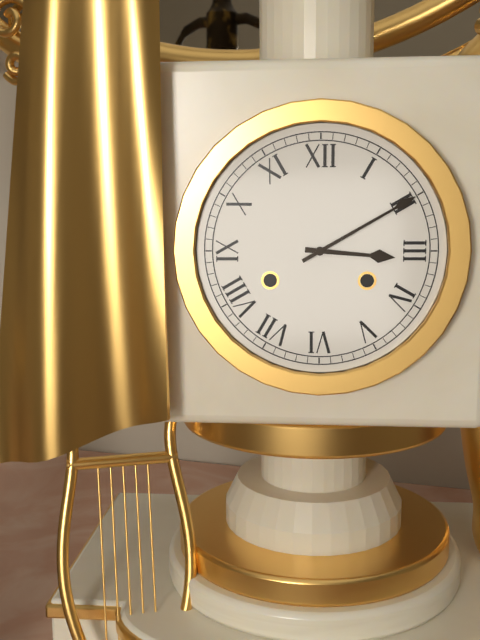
{"hour": 3, "minute": 10}
